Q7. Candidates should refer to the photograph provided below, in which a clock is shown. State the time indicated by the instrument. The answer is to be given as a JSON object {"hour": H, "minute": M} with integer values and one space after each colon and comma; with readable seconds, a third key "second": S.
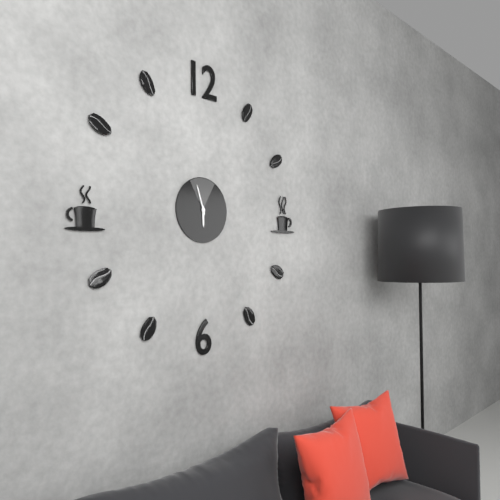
{"hour": 5, "minute": 57}
